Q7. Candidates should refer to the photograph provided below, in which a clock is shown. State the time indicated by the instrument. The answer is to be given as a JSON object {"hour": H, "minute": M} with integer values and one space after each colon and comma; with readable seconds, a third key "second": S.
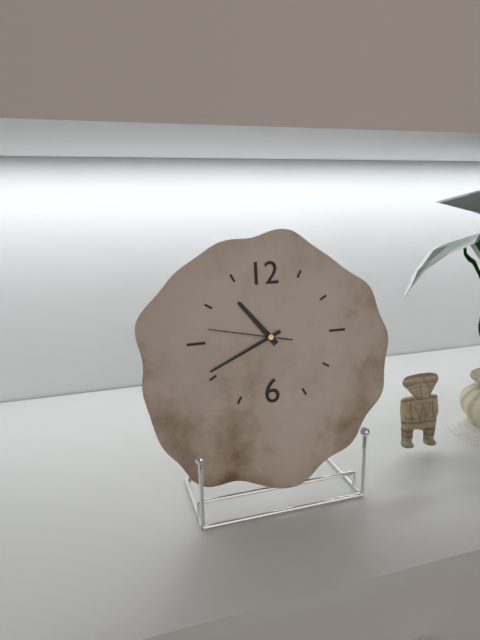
{"hour": 10, "minute": 41, "second": 47}
